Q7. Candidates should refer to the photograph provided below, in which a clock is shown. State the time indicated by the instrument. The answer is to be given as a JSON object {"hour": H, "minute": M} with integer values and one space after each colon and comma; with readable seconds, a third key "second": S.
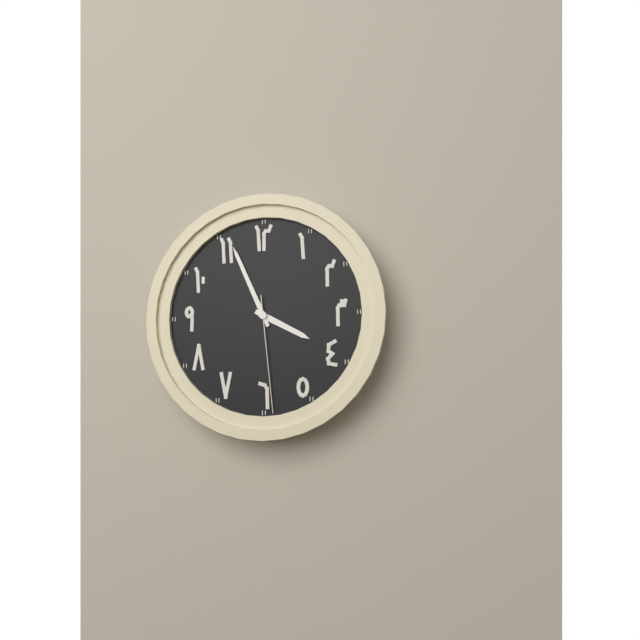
{"hour": 3, "minute": 56, "second": 29}
